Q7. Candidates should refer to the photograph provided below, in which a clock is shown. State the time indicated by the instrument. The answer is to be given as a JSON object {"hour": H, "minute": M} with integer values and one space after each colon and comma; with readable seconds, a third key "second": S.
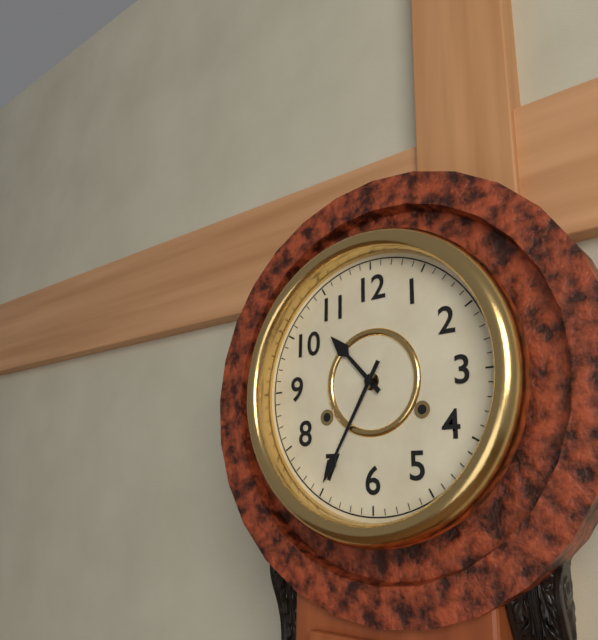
{"hour": 10, "minute": 35}
